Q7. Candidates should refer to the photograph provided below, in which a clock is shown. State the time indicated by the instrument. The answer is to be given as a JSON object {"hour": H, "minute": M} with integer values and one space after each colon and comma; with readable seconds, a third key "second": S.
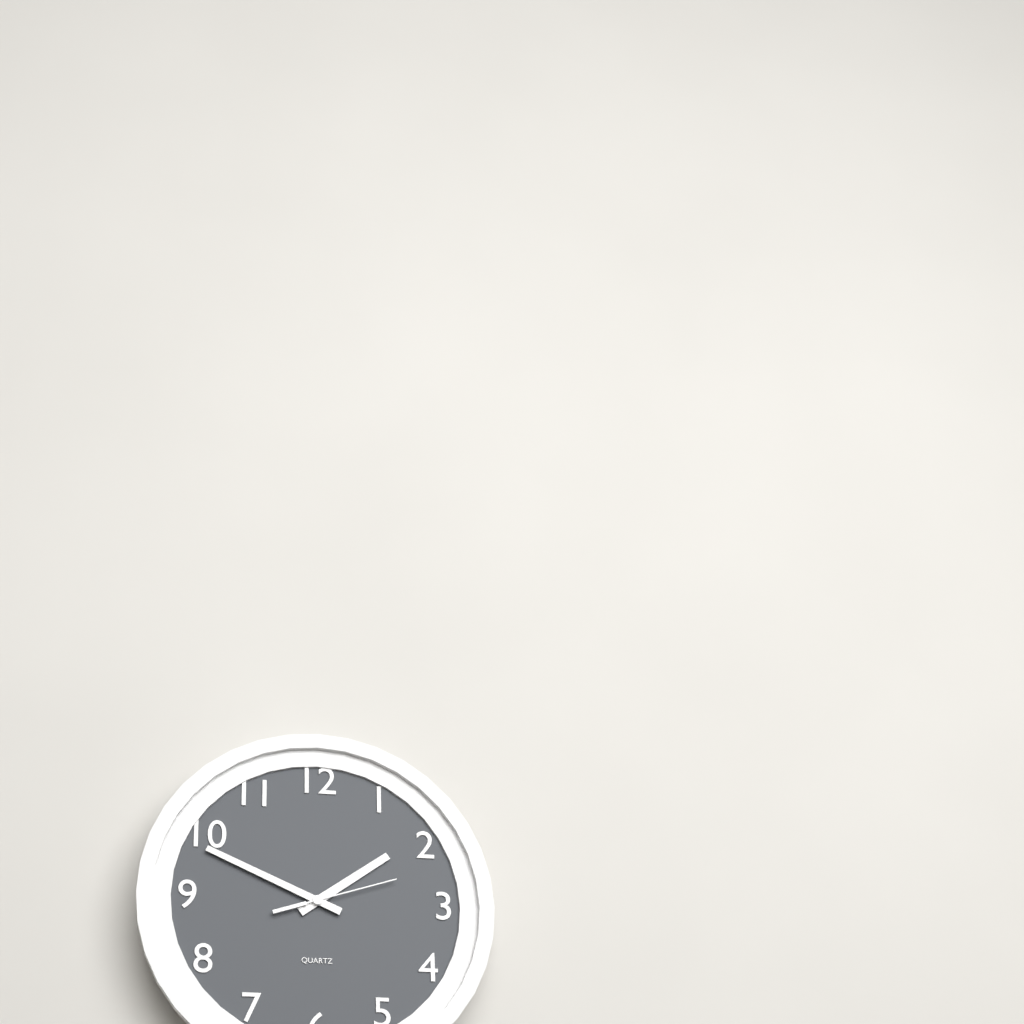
{"hour": 1, "minute": 49, "second": 12}
